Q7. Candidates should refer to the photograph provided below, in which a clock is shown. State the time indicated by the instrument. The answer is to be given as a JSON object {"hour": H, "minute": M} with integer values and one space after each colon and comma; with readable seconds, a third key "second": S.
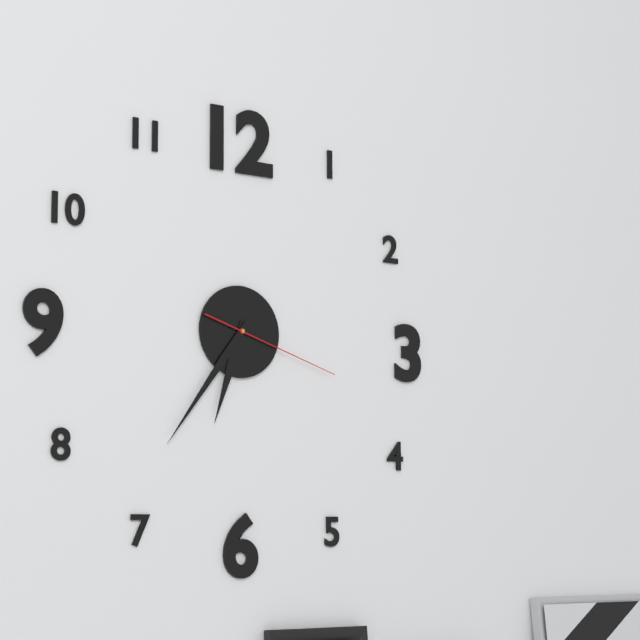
{"hour": 6, "minute": 36, "second": 18}
